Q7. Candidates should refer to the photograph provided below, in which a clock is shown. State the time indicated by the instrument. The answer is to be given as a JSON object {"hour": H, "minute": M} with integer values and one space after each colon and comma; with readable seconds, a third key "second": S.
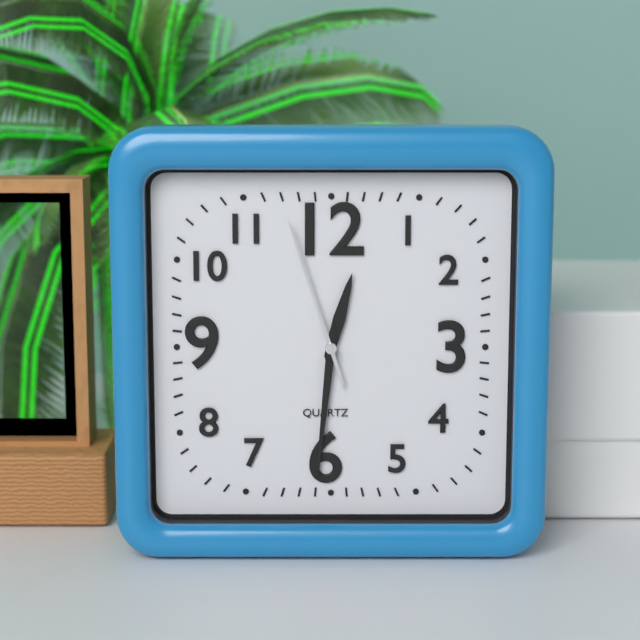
{"hour": 12, "minute": 31, "second": 57}
